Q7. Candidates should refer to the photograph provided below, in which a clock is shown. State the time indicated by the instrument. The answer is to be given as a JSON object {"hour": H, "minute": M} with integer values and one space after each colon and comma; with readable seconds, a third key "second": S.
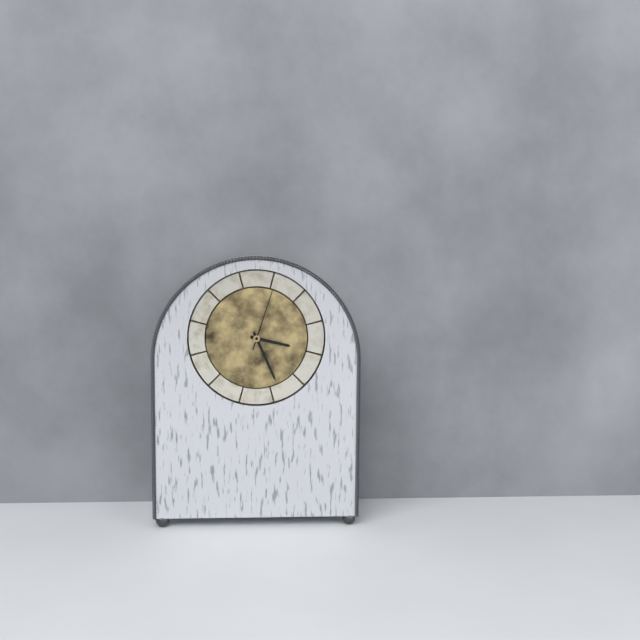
{"hour": 3, "minute": 26, "second": 3}
